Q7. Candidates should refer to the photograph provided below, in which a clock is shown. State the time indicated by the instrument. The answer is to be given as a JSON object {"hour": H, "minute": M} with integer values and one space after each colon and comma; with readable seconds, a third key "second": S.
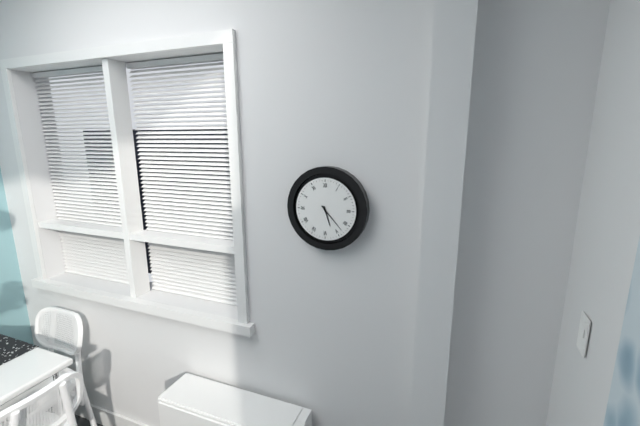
{"hour": 5, "minute": 23}
